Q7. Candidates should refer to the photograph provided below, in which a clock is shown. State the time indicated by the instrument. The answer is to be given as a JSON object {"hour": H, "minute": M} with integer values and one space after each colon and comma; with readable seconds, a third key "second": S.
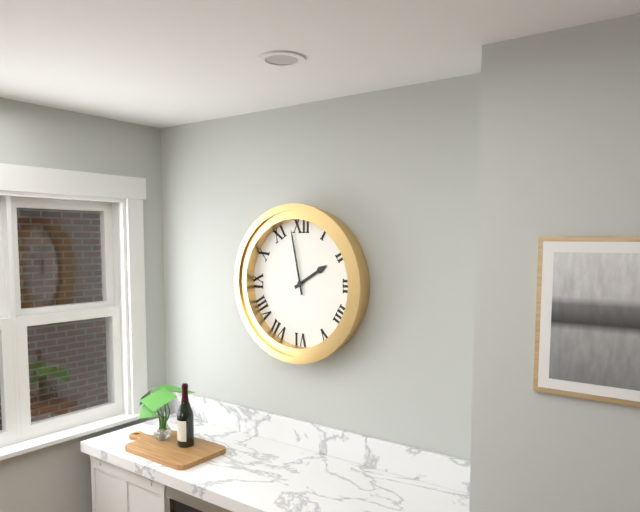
{"hour": 1, "minute": 58}
